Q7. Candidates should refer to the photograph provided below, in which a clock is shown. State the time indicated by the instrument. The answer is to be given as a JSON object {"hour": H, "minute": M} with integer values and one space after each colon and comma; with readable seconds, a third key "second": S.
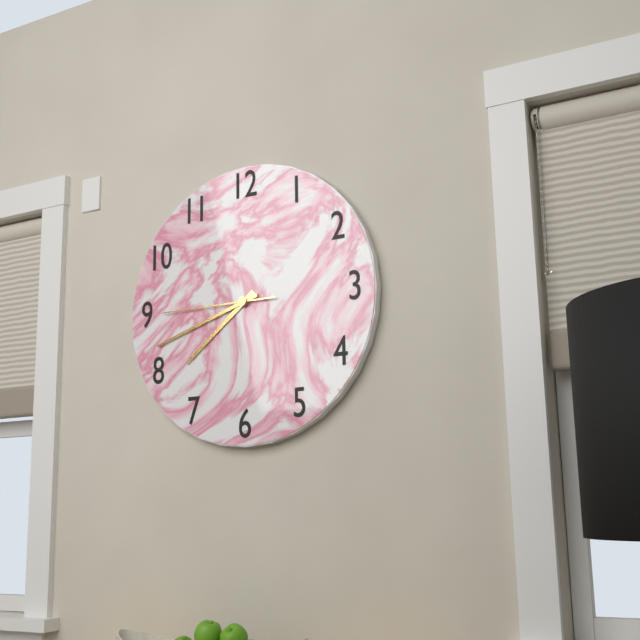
{"hour": 7, "minute": 42, "second": 45}
